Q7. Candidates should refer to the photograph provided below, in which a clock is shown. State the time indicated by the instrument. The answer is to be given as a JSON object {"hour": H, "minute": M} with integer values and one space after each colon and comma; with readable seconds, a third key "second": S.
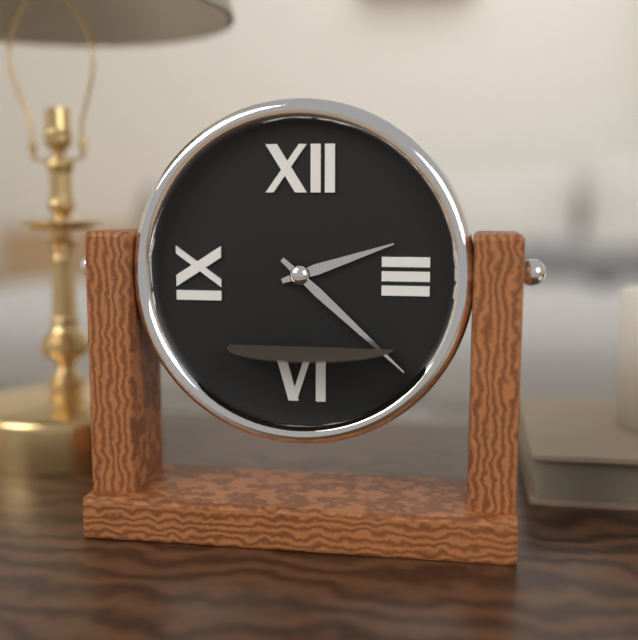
{"hour": 2, "minute": 22}
